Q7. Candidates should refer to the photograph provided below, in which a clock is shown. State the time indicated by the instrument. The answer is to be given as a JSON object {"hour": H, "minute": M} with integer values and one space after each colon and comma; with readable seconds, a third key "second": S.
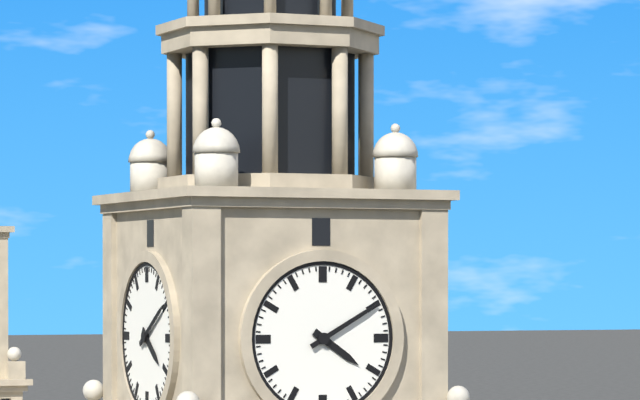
{"hour": 4, "minute": 10}
